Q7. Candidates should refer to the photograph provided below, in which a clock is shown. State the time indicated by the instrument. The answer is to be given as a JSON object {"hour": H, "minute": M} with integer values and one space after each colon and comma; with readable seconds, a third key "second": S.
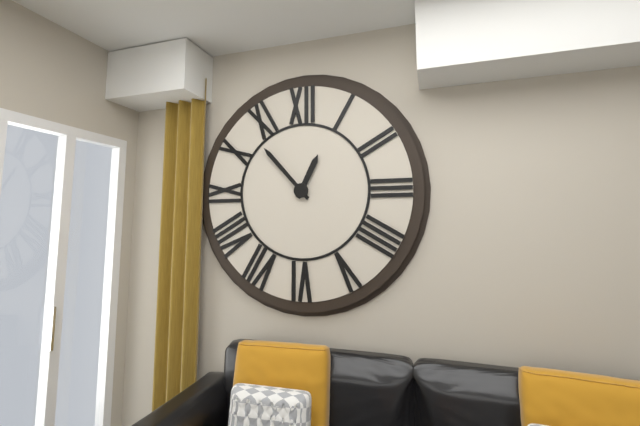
{"hour": 12, "minute": 53}
